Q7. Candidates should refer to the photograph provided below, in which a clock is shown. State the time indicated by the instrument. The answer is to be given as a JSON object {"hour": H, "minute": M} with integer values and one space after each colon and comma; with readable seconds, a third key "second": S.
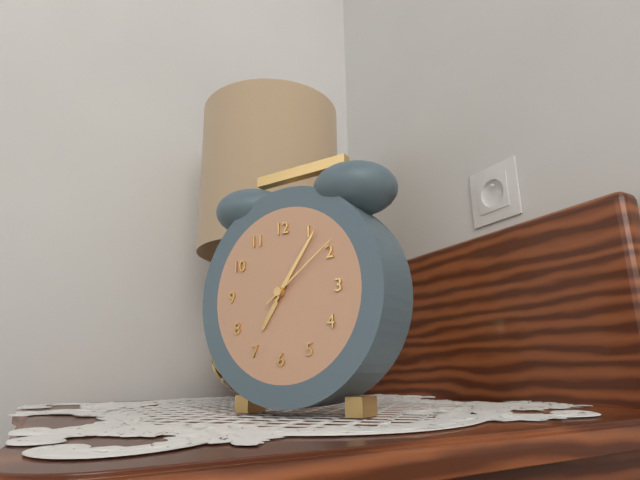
{"hour": 7, "minute": 6, "second": 9}
